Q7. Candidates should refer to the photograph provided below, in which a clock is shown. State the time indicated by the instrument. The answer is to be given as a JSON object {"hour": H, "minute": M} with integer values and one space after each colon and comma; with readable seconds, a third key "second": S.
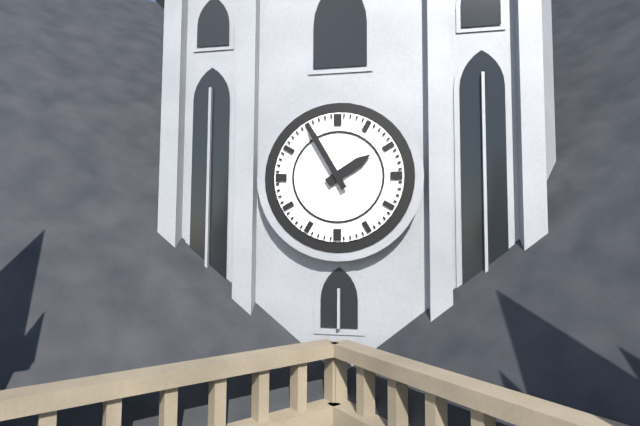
{"hour": 1, "minute": 55}
